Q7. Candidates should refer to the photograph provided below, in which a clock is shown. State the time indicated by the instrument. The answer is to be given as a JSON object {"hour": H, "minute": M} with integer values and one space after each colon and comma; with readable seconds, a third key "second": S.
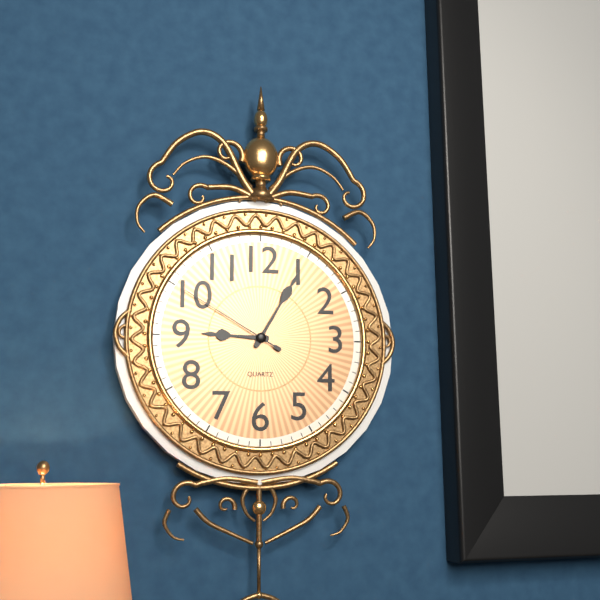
{"hour": 9, "minute": 5, "second": 50}
